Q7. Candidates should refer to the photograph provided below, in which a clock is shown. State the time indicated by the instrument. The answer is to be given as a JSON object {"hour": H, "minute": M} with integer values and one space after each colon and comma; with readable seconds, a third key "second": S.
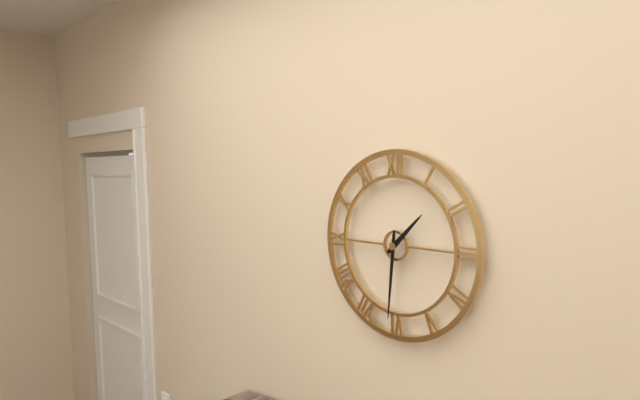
{"hour": 1, "minute": 31}
